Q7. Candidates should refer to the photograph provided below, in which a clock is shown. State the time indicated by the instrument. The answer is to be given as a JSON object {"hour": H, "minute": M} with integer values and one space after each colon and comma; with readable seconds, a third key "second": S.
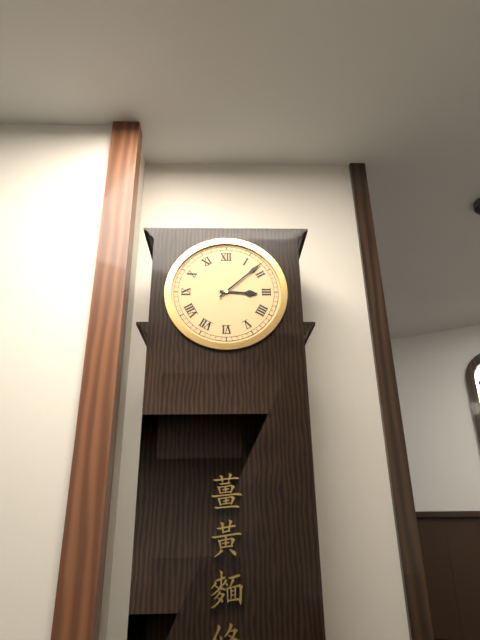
{"hour": 3, "minute": 8}
